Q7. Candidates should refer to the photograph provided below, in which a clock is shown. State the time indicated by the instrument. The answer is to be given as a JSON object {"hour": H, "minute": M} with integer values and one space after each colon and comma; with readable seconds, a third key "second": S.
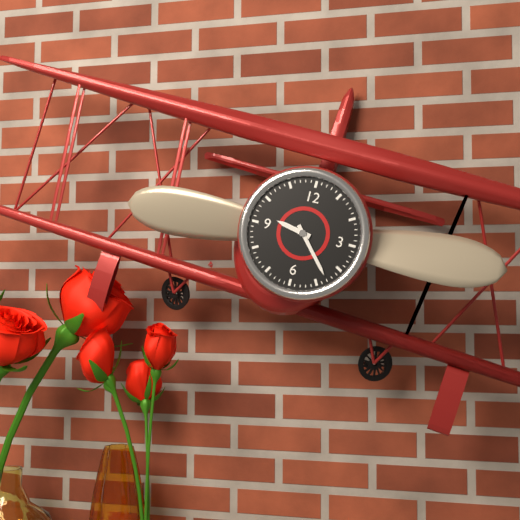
{"hour": 9, "minute": 23}
